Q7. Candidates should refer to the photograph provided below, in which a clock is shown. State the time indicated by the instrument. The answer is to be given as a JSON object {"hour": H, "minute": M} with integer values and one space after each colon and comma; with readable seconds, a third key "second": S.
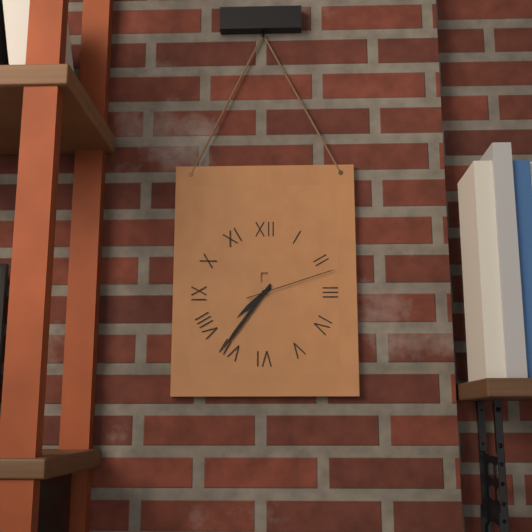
{"hour": 7, "minute": 36, "second": 12}
